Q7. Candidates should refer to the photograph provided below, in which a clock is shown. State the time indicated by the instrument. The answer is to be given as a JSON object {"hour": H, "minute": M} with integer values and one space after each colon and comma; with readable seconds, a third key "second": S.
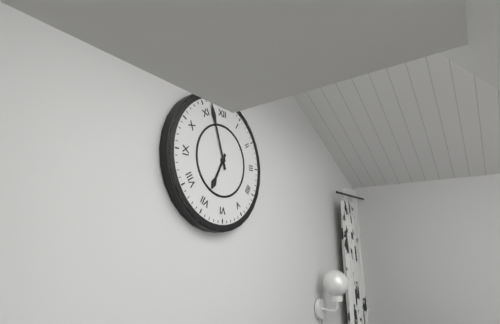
{"hour": 6, "minute": 57}
